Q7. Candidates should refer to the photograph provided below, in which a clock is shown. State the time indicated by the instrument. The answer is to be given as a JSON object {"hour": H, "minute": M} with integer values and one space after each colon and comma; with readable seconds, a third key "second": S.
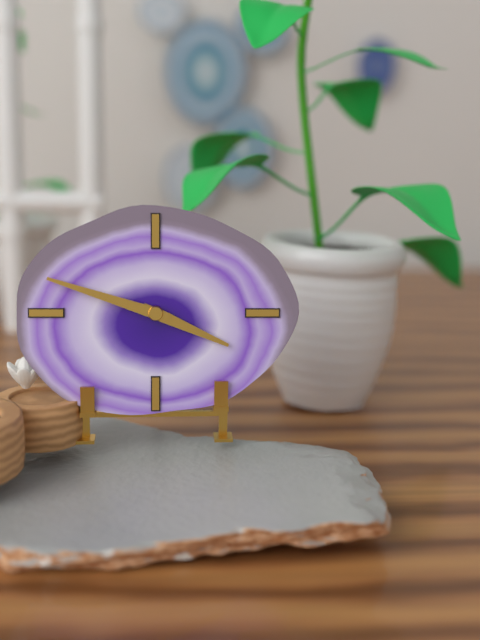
{"hour": 3, "minute": 48}
